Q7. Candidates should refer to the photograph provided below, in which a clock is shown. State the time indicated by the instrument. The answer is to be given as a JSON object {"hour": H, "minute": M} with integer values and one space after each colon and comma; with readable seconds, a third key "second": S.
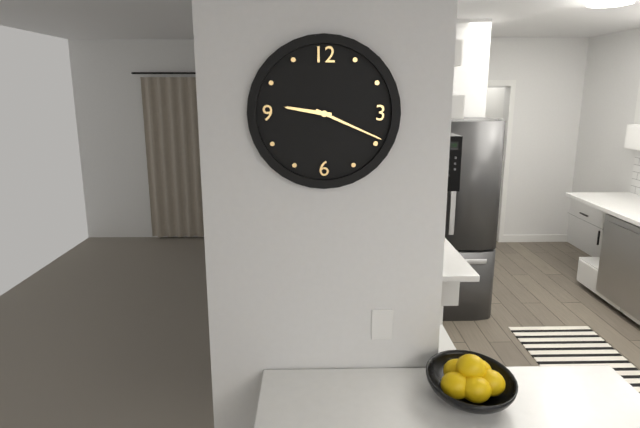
{"hour": 9, "minute": 19}
